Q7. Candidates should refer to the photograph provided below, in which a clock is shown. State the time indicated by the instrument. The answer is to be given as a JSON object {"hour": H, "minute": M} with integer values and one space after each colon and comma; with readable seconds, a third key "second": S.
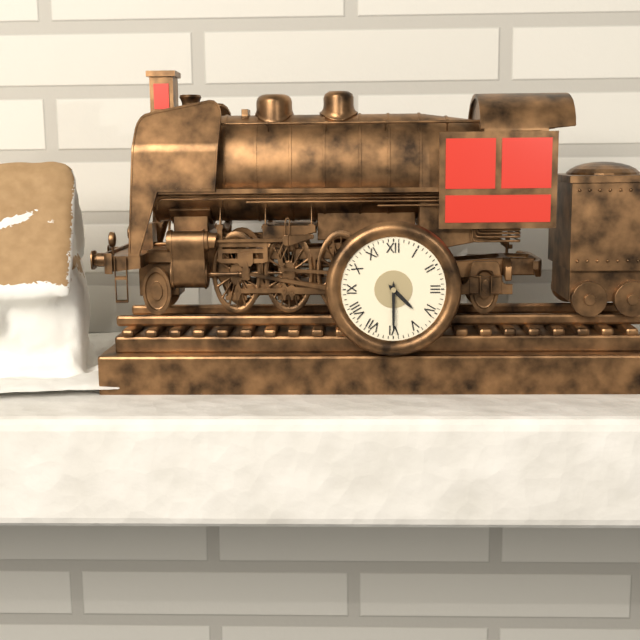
{"hour": 4, "minute": 30}
